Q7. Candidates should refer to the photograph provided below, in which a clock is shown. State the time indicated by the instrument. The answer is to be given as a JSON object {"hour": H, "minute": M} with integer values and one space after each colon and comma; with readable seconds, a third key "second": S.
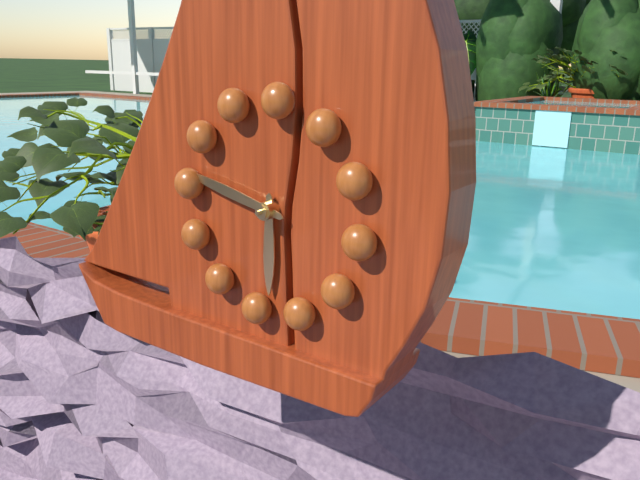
{"hour": 5, "minute": 46}
